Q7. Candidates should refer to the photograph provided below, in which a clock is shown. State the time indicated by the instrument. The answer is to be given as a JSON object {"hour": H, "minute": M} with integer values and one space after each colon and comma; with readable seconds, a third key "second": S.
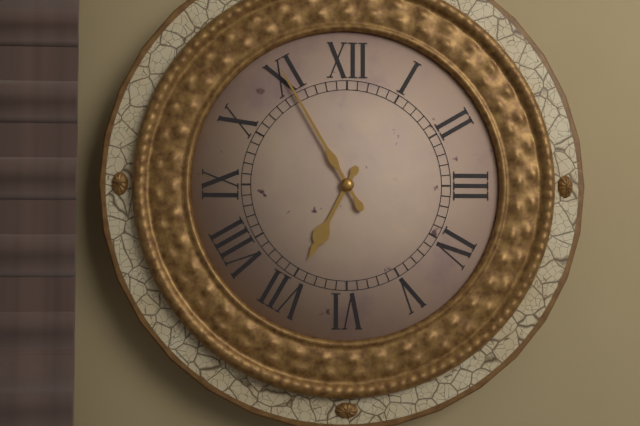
{"hour": 6, "minute": 55}
